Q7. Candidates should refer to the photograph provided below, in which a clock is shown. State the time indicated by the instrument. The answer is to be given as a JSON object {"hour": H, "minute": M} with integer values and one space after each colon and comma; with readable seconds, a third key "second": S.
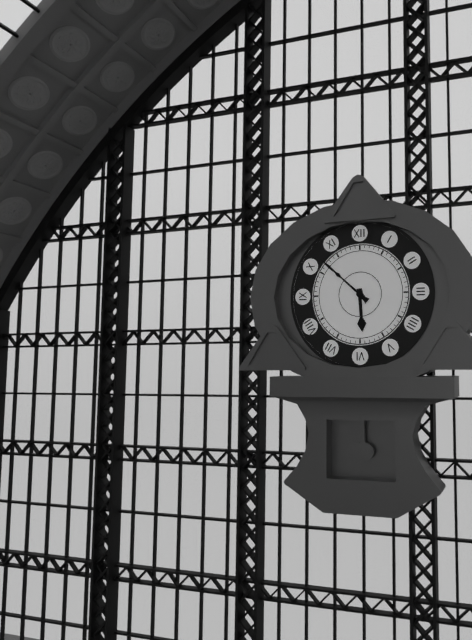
{"hour": 5, "minute": 52}
